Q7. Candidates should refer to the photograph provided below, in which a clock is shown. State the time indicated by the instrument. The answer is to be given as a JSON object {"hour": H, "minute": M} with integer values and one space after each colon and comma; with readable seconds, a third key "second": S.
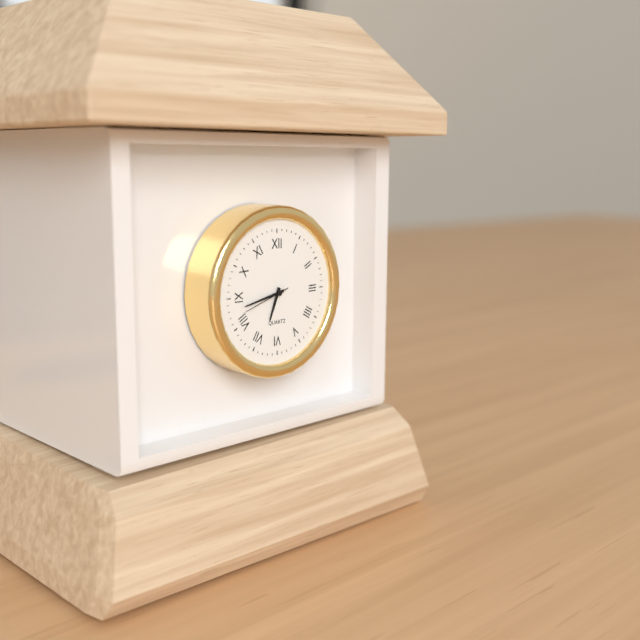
{"hour": 6, "minute": 43, "second": 42}
